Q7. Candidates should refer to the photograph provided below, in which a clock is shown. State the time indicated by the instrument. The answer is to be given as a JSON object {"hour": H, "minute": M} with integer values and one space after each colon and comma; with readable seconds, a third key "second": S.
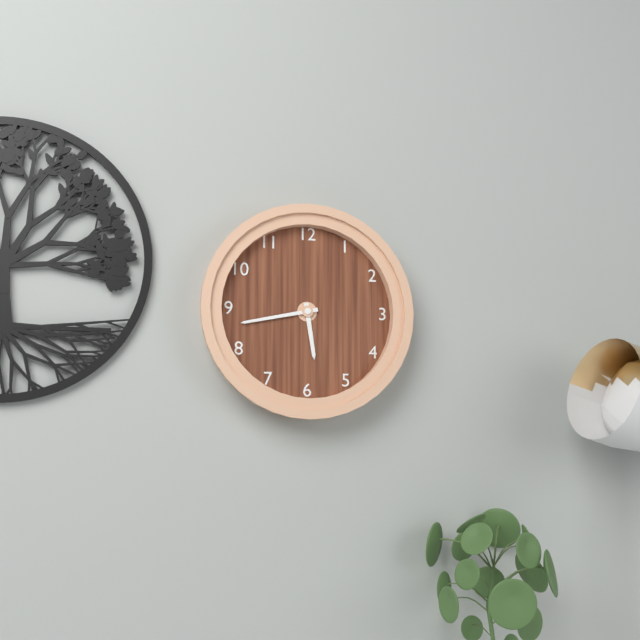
{"hour": 5, "minute": 43}
